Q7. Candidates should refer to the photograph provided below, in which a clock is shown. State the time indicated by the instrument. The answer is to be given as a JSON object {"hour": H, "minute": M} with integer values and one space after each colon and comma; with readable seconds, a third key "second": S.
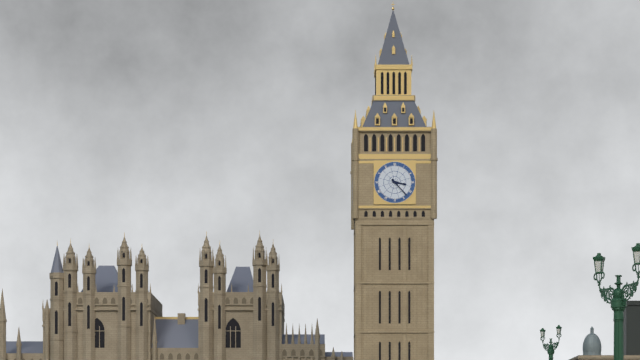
{"hour": 3, "minute": 23}
